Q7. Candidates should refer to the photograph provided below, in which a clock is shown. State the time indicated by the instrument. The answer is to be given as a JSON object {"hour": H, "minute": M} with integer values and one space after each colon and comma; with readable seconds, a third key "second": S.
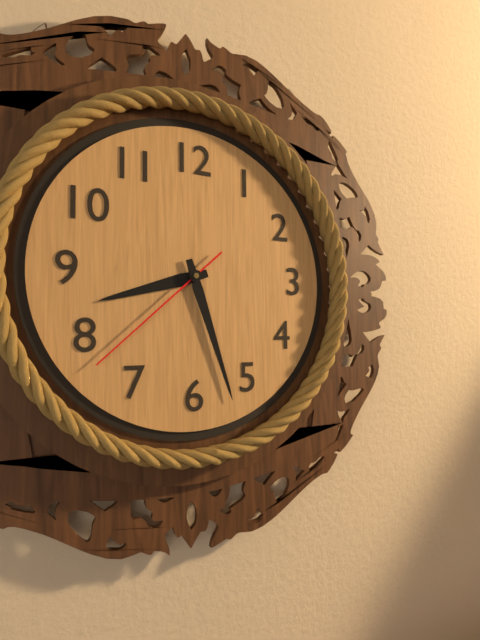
{"hour": 8, "minute": 27, "second": 38}
